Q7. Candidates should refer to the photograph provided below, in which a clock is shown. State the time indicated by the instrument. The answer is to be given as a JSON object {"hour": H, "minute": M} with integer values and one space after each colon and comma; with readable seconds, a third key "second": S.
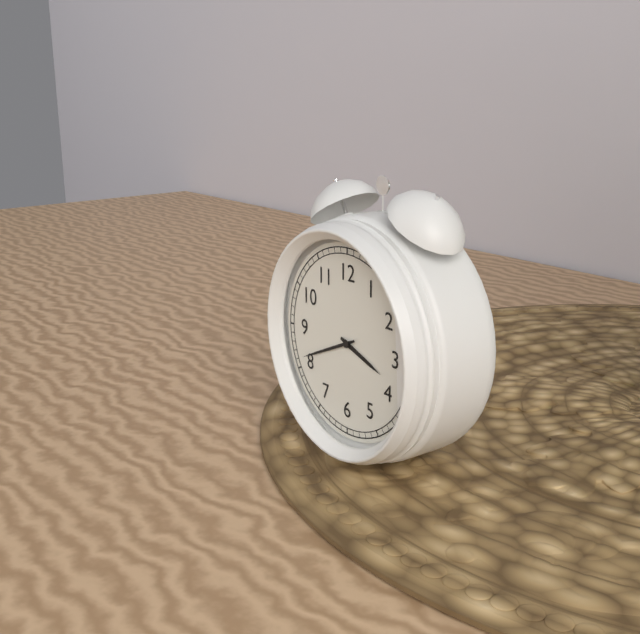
{"hour": 3, "minute": 41}
